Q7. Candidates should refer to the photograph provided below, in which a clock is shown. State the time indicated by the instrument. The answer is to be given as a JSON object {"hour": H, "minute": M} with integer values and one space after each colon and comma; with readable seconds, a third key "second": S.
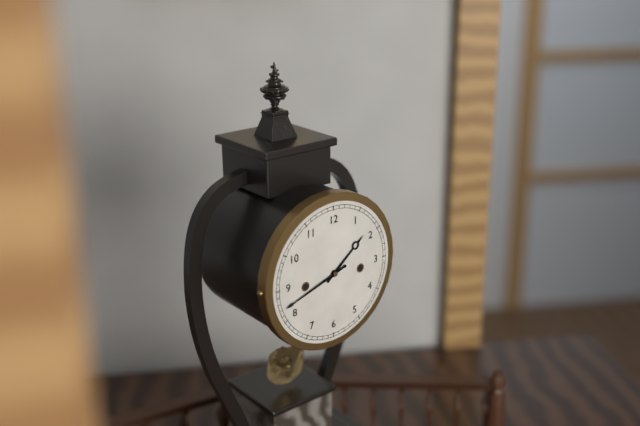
{"hour": 1, "minute": 42}
